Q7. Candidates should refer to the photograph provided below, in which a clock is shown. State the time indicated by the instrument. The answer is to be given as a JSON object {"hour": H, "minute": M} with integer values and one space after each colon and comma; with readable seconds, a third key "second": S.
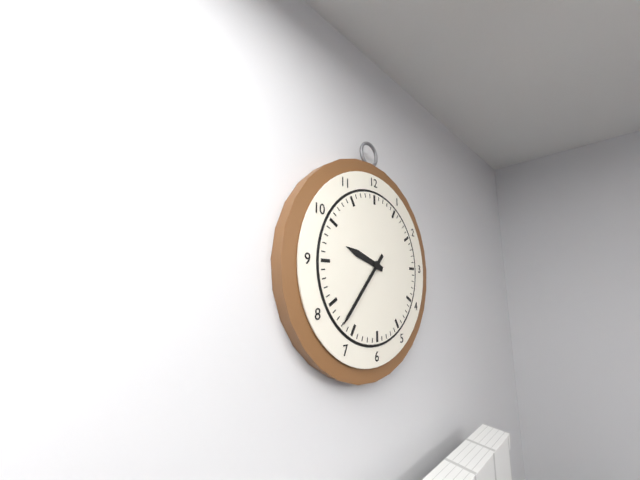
{"hour": 9, "minute": 37}
